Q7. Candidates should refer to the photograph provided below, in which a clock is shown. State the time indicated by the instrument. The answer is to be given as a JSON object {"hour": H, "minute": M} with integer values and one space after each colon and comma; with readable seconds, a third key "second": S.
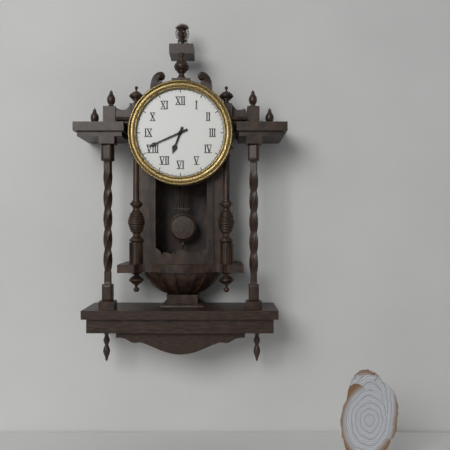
{"hour": 6, "minute": 41}
